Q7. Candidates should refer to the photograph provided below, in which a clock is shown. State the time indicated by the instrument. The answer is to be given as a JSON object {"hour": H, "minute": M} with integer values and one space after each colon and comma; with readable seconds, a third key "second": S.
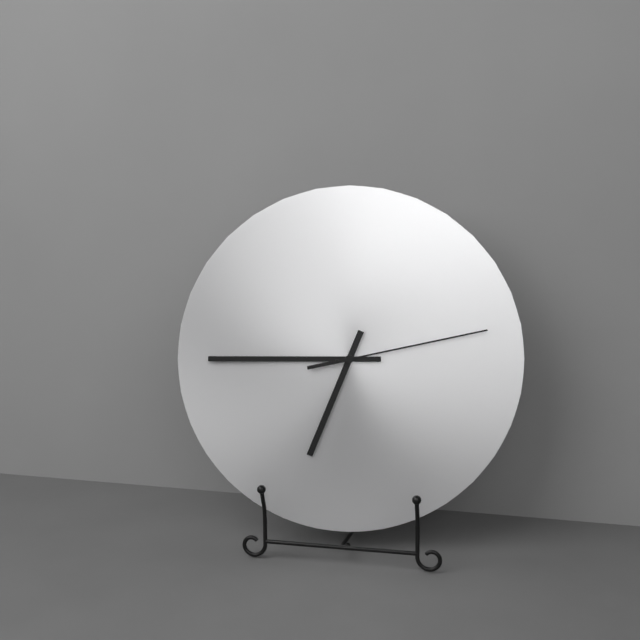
{"hour": 6, "minute": 45, "second": 13}
